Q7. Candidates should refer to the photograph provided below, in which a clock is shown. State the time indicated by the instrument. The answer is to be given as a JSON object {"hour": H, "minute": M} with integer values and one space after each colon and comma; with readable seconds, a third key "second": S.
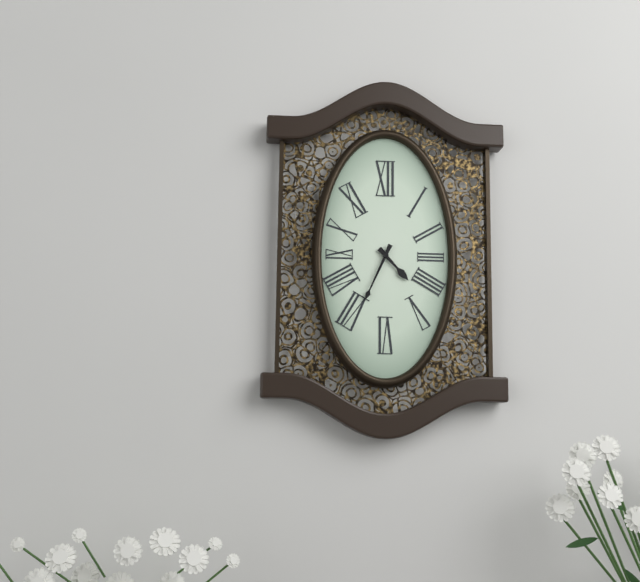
{"hour": 4, "minute": 34}
